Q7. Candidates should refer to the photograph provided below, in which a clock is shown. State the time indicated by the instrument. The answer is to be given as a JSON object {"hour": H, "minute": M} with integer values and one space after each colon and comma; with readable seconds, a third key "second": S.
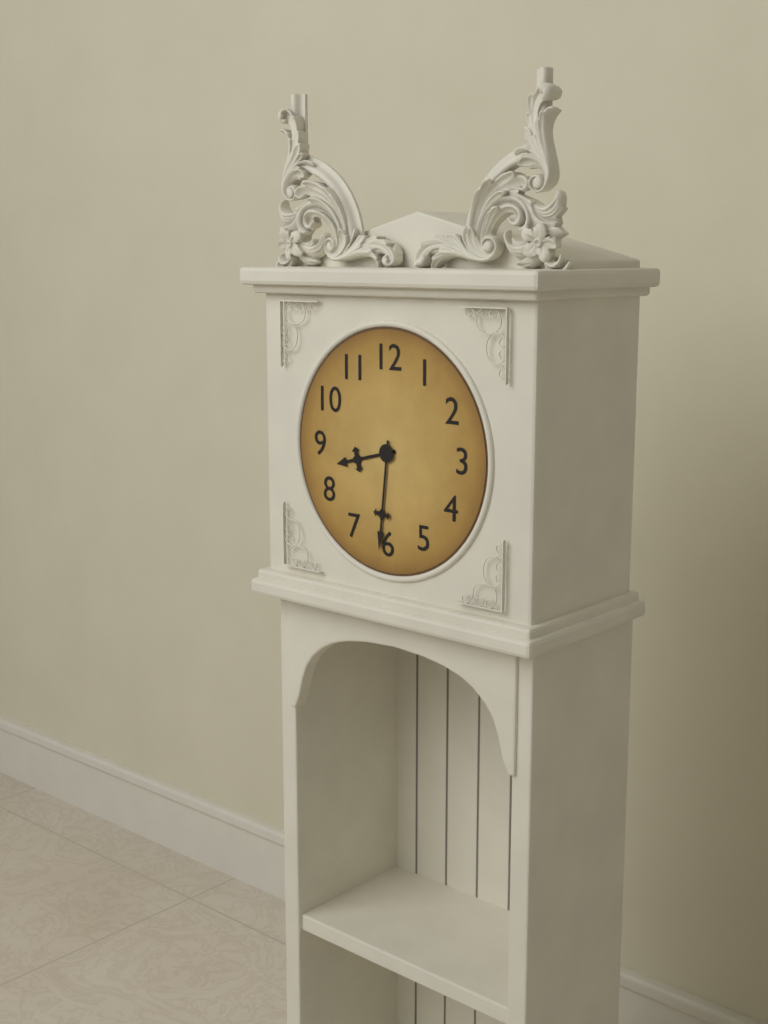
{"hour": 8, "minute": 31}
